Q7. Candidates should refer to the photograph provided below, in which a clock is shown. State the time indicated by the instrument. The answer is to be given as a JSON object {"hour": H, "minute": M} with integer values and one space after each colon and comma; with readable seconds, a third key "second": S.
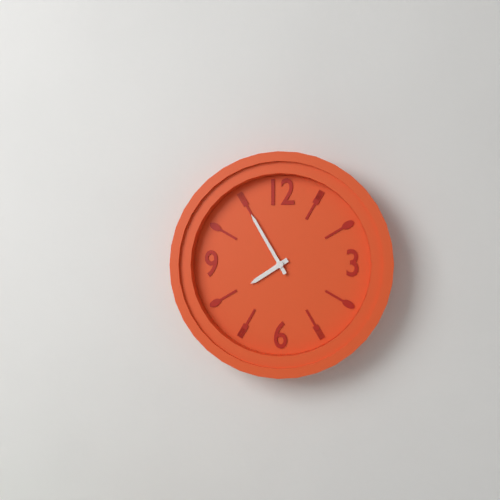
{"hour": 7, "minute": 55}
